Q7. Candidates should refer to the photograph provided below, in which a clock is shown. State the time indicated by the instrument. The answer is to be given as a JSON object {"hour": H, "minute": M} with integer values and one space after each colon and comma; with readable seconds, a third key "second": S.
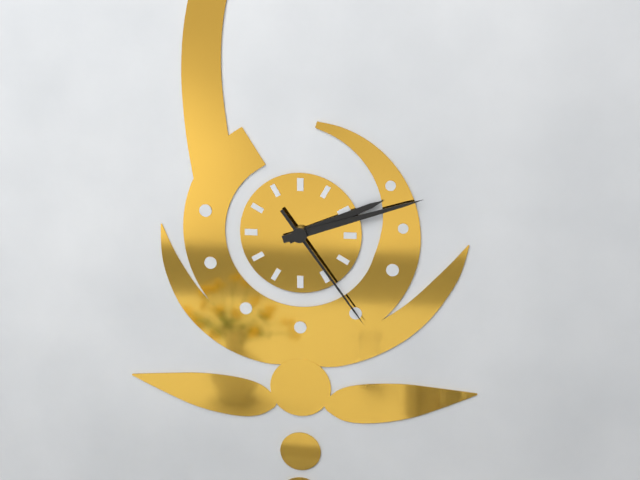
{"hour": 2, "minute": 12, "second": 24}
